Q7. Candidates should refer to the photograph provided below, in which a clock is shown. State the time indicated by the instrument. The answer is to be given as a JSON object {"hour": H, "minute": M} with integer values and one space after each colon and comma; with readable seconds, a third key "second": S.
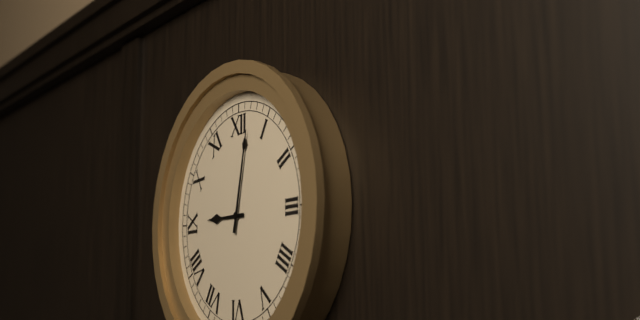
{"hour": 9, "minute": 2}
